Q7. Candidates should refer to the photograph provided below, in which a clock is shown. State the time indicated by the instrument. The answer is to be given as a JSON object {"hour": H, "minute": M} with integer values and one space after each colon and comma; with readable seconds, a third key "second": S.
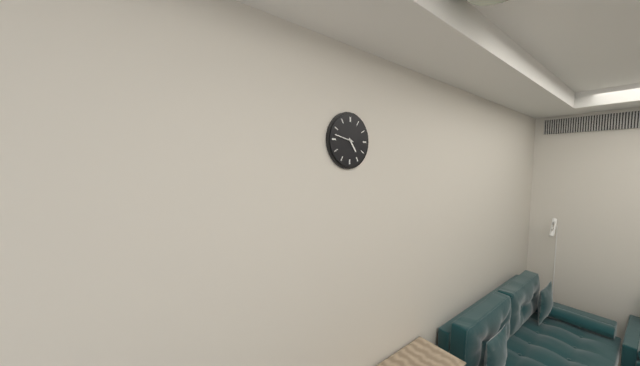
{"hour": 4, "minute": 47}
